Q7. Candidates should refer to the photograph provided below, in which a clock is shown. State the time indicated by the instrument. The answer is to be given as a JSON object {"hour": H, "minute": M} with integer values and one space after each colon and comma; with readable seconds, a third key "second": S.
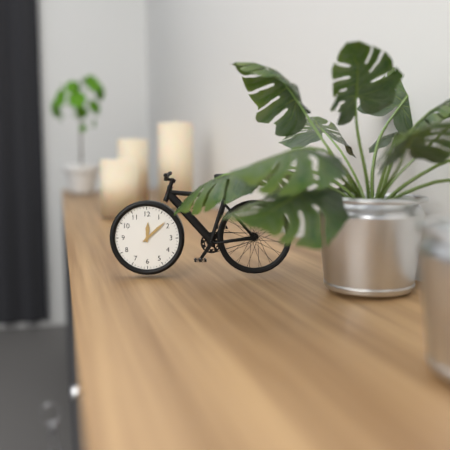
{"hour": 12, "minute": 8}
